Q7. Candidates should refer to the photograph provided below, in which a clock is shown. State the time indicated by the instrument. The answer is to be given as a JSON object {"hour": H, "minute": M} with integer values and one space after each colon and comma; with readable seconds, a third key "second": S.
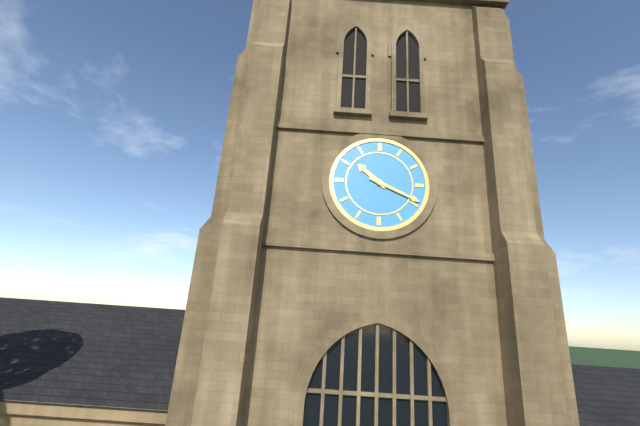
{"hour": 10, "minute": 19}
